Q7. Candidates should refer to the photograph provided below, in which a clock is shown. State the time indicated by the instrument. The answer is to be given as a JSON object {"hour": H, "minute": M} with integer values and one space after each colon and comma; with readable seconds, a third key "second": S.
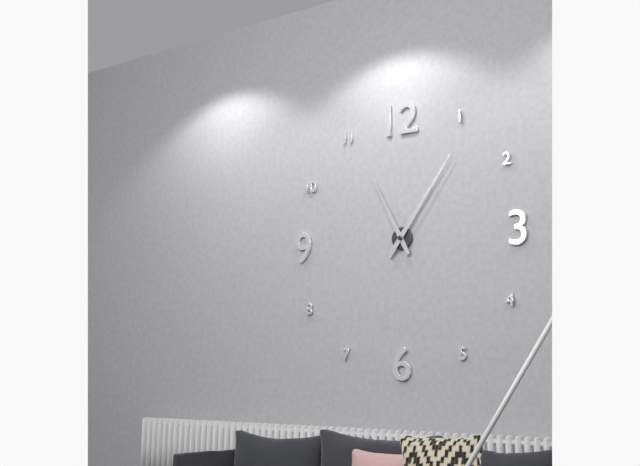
{"hour": 11, "minute": 6}
